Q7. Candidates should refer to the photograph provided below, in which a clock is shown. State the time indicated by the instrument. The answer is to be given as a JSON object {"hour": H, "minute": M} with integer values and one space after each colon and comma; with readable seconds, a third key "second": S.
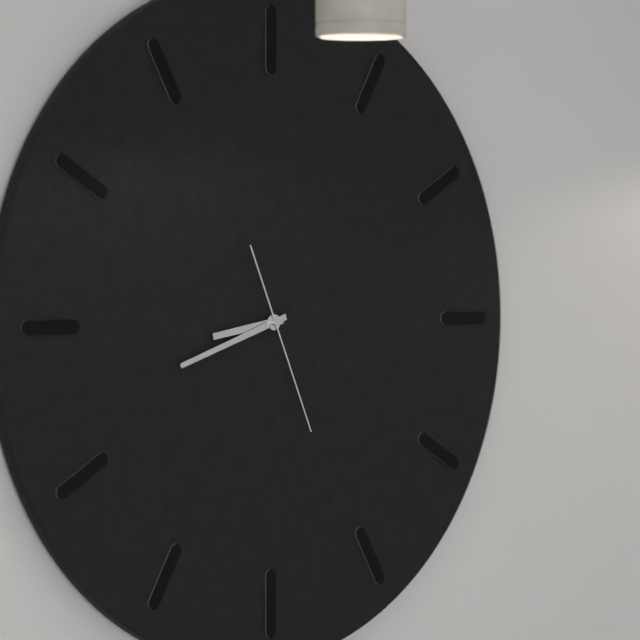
{"hour": 8, "minute": 42, "second": 26}
